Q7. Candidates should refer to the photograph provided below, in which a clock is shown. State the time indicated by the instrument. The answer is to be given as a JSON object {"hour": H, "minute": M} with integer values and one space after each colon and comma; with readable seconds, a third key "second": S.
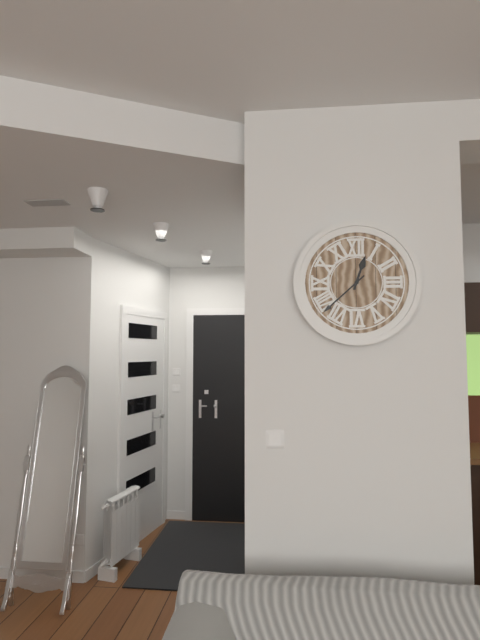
{"hour": 12, "minute": 38}
